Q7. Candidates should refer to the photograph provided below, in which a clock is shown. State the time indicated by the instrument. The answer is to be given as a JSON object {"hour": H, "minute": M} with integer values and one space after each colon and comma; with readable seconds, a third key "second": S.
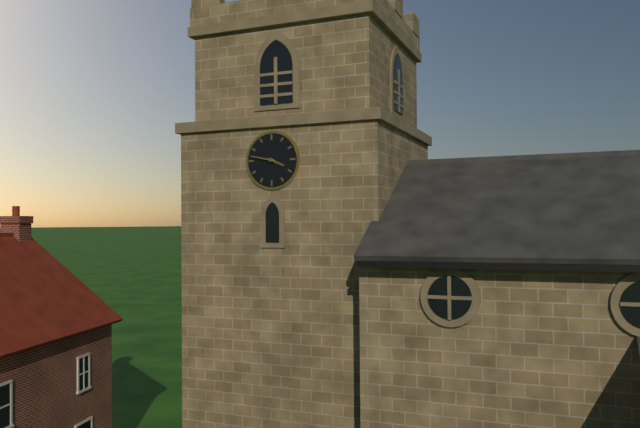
{"hour": 3, "minute": 47}
